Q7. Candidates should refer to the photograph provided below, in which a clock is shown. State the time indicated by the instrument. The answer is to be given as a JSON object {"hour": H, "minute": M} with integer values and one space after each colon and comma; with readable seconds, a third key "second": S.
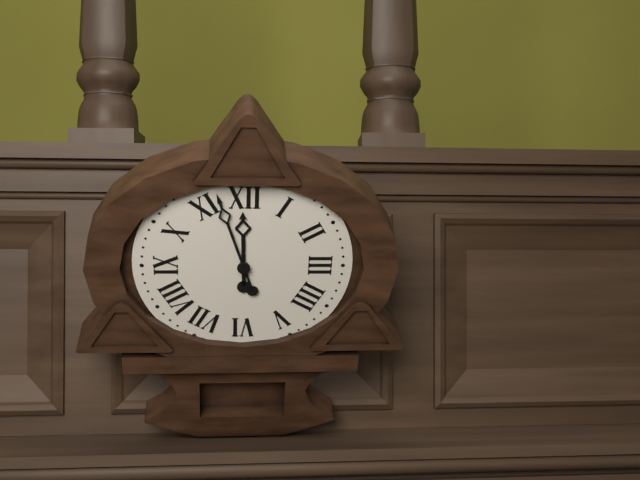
{"hour": 11, "minute": 57}
